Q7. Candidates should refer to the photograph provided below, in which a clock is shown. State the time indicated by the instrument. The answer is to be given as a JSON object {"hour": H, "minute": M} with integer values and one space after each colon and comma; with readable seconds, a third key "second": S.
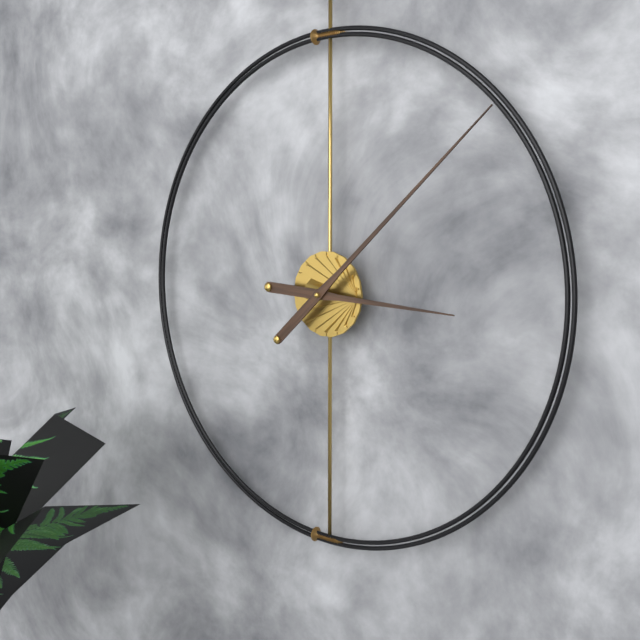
{"hour": 3, "minute": 8}
